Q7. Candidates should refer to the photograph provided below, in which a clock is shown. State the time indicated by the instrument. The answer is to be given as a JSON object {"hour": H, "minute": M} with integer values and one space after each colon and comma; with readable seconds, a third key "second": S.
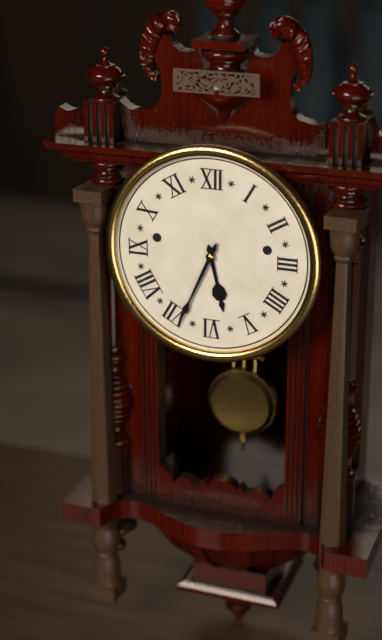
{"hour": 5, "minute": 34}
